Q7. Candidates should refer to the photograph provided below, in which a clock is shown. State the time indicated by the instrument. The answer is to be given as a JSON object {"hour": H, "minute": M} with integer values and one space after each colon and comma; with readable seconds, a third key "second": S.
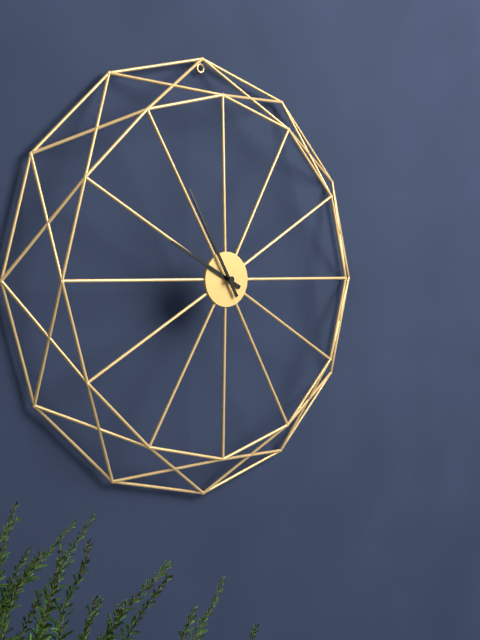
{"hour": 9, "minute": 55}
